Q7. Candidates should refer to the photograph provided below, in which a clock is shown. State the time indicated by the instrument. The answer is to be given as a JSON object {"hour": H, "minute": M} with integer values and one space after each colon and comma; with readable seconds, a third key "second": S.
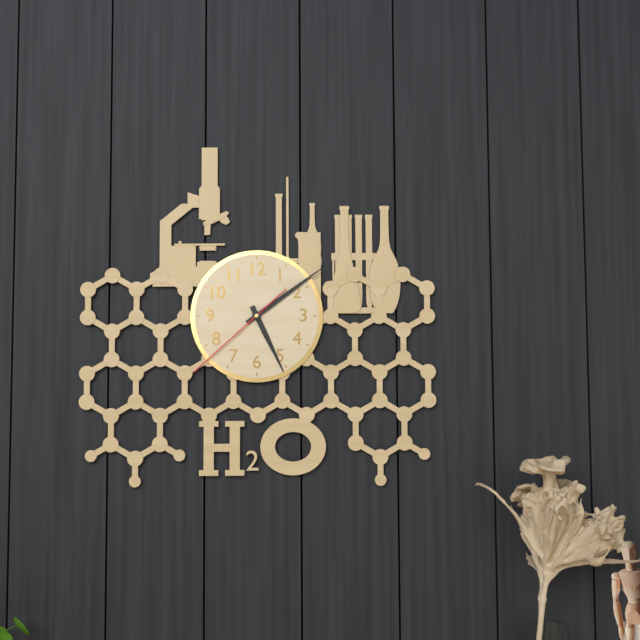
{"hour": 5, "minute": 9, "second": 38}
